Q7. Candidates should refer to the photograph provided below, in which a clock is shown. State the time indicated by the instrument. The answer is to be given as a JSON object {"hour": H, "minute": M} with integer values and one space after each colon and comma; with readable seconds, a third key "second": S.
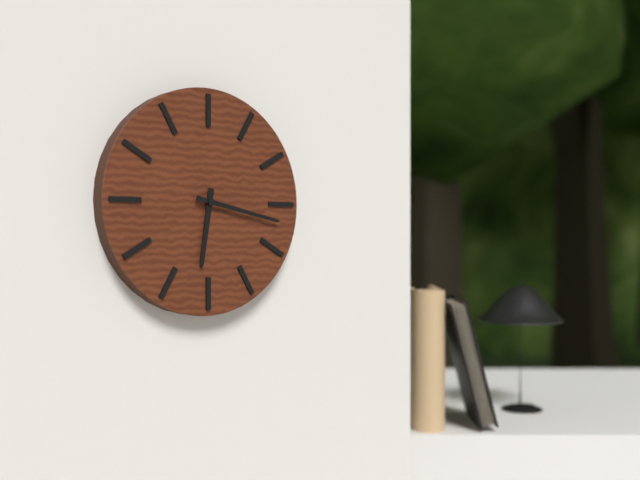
{"hour": 6, "minute": 17}
